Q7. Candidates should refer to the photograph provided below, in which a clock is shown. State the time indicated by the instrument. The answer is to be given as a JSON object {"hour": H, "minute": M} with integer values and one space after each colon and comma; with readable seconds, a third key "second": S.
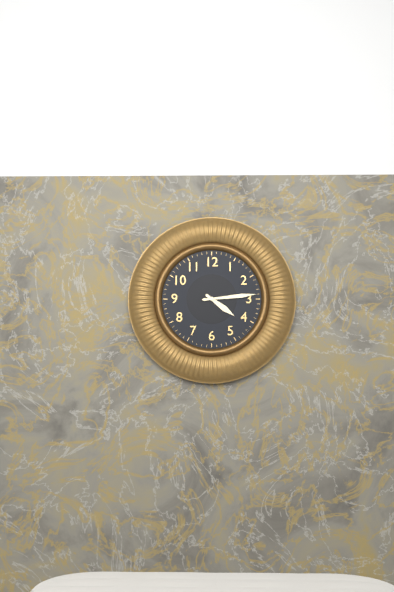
{"hour": 4, "minute": 14}
